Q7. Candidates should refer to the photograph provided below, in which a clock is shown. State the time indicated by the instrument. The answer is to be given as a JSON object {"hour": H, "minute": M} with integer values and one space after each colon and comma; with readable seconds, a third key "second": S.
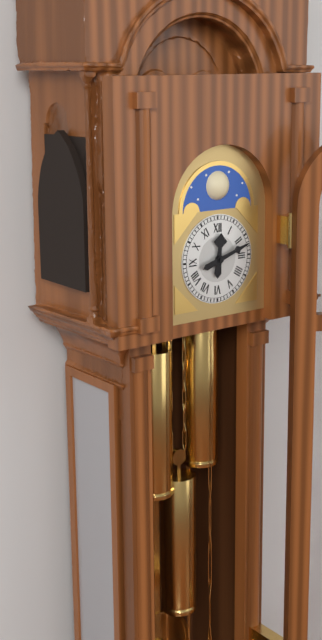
{"hour": 12, "minute": 12}
